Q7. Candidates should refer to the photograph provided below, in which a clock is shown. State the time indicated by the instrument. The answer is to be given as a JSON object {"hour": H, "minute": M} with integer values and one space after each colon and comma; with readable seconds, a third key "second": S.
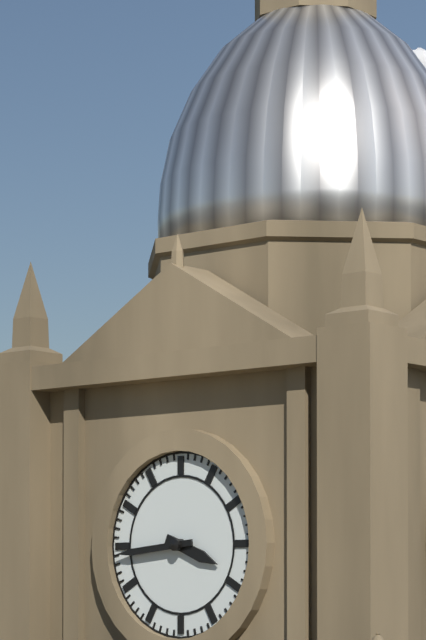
{"hour": 3, "minute": 44}
